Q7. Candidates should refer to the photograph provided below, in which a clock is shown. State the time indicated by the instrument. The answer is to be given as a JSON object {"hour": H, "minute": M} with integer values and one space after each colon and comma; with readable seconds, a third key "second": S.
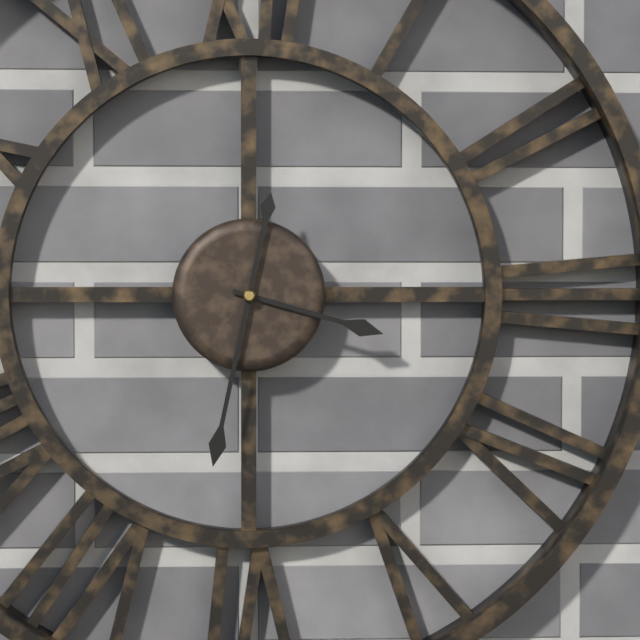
{"hour": 3, "minute": 32}
